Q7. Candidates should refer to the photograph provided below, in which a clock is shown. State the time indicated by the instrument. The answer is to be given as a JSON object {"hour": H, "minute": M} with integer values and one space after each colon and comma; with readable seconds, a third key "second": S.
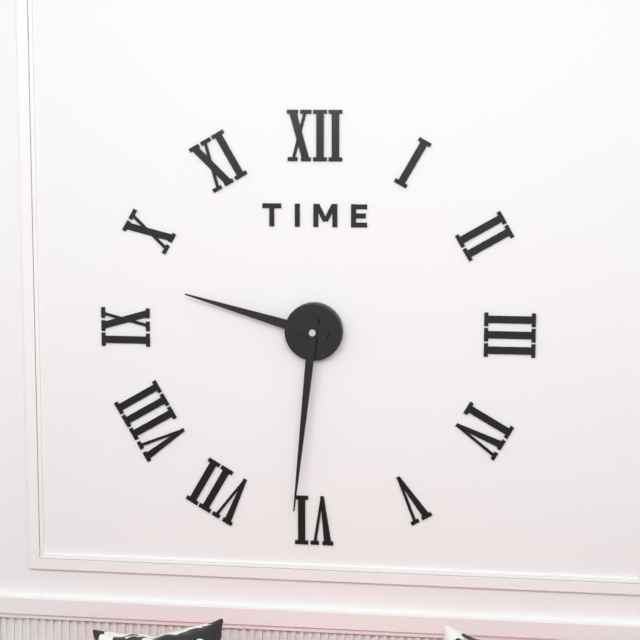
{"hour": 9, "minute": 31}
